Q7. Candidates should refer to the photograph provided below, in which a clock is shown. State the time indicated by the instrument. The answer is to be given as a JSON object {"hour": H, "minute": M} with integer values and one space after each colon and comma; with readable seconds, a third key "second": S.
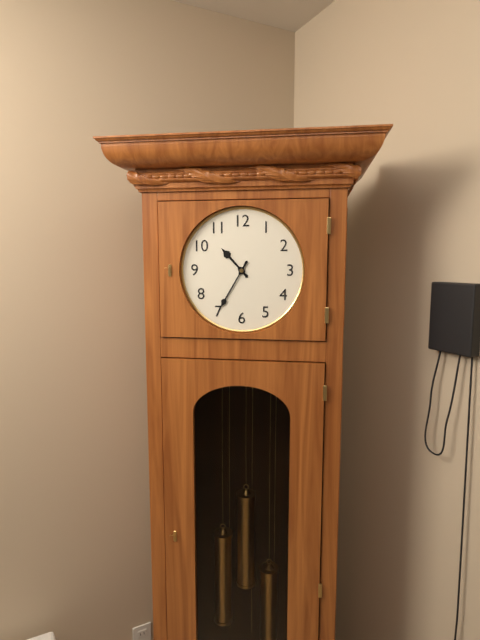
{"hour": 10, "minute": 35}
